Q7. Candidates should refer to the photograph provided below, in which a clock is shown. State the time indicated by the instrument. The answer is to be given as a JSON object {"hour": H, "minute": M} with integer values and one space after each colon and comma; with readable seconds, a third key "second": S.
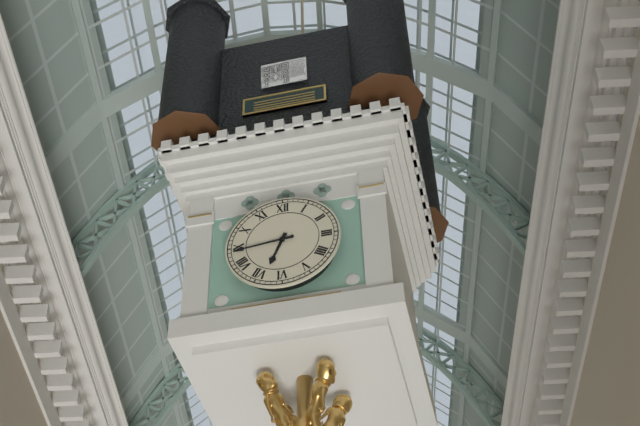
{"hour": 6, "minute": 44}
